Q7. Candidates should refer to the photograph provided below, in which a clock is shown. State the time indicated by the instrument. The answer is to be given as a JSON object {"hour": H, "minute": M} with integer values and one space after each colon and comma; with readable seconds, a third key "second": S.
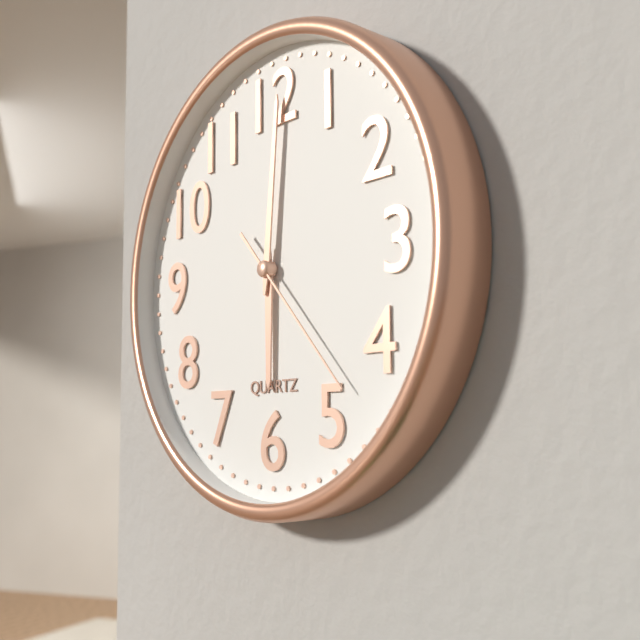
{"hour": 6, "minute": 1, "second": 23}
